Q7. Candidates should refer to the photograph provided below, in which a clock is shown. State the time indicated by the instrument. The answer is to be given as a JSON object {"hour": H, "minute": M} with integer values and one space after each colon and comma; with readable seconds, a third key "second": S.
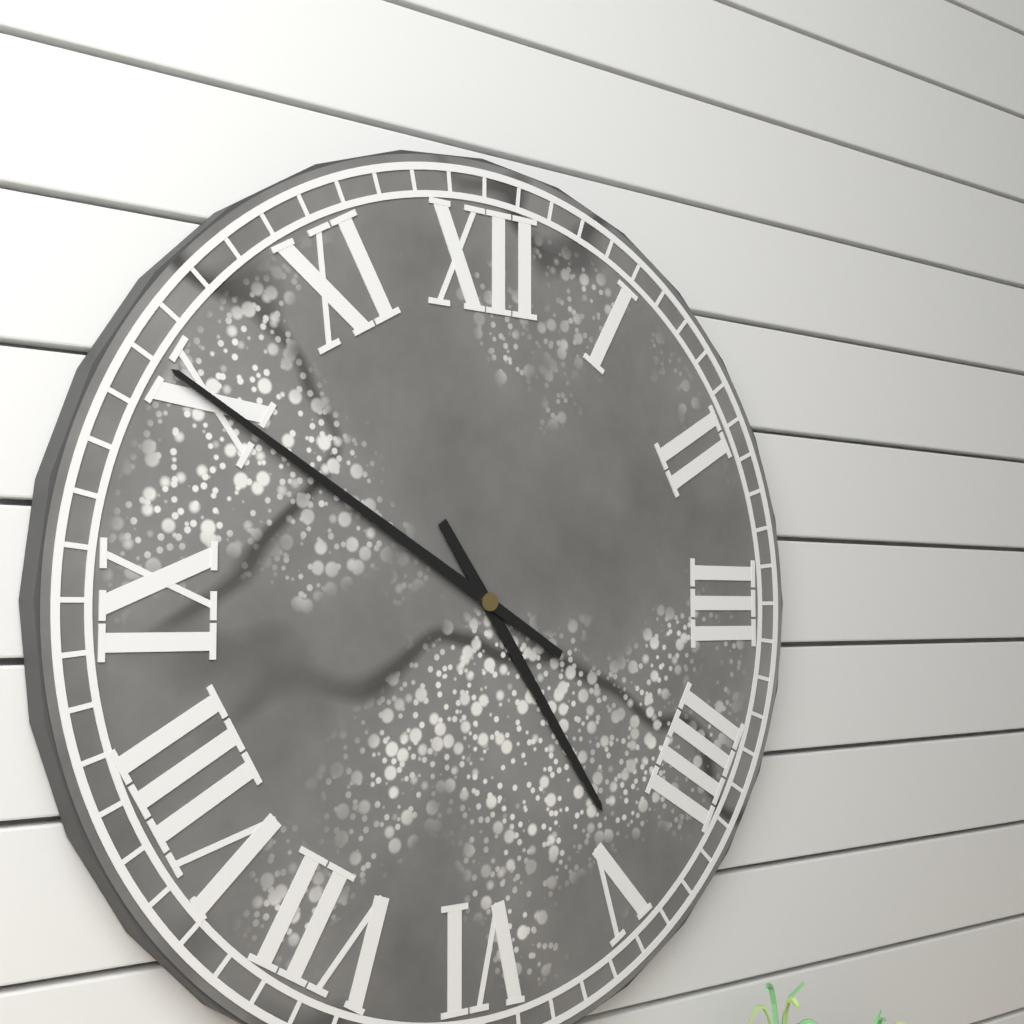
{"hour": 4, "minute": 50}
